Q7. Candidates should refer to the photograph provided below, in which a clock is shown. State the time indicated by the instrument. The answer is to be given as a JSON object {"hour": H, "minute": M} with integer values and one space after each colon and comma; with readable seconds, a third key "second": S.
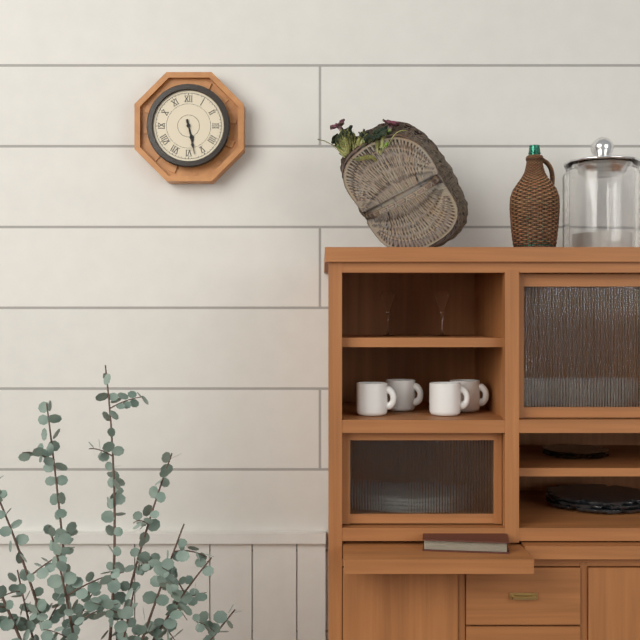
{"hour": 5, "minute": 28}
